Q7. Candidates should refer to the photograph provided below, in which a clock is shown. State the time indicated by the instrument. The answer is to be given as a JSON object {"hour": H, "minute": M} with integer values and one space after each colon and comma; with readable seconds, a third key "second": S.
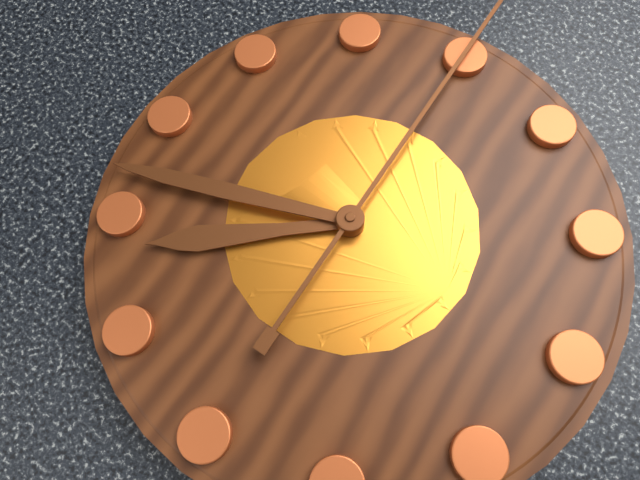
{"hour": 7, "minute": 42}
